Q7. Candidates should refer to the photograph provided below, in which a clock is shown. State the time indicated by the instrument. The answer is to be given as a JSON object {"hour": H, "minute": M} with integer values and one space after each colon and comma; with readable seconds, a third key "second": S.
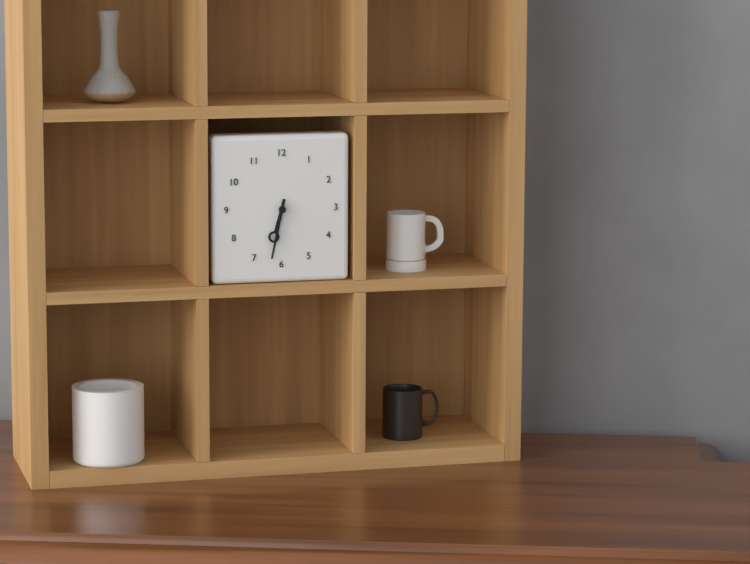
{"hour": 6, "minute": 32}
